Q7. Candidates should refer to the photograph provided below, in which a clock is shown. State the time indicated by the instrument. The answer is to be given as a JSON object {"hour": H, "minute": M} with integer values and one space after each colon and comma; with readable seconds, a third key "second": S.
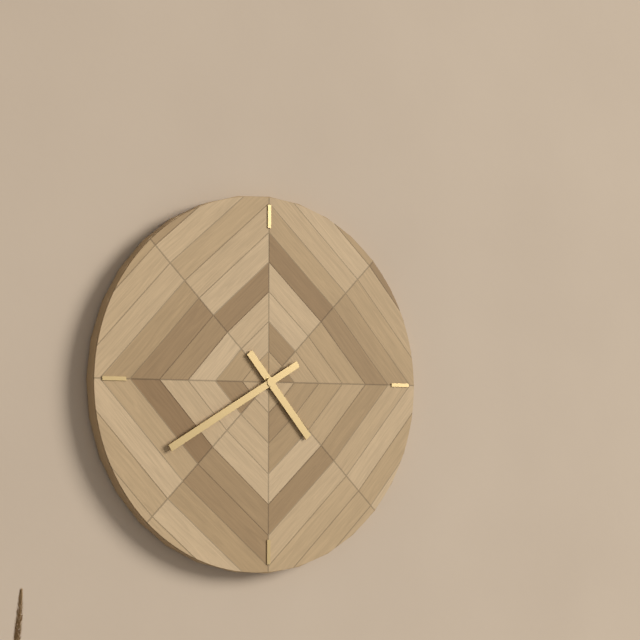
{"hour": 4, "minute": 40}
